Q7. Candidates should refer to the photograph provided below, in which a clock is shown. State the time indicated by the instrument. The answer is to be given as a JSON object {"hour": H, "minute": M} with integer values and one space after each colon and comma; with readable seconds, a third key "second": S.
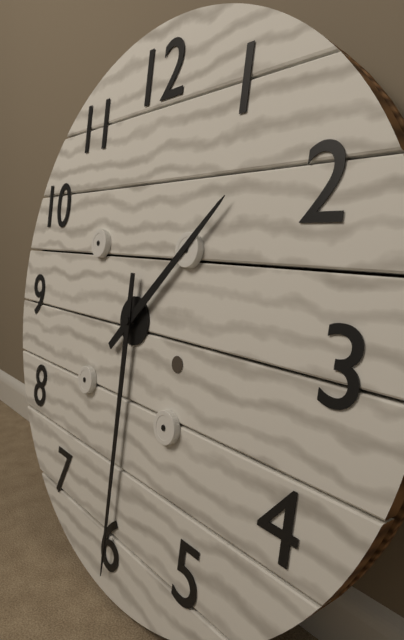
{"hour": 1, "minute": 30}
